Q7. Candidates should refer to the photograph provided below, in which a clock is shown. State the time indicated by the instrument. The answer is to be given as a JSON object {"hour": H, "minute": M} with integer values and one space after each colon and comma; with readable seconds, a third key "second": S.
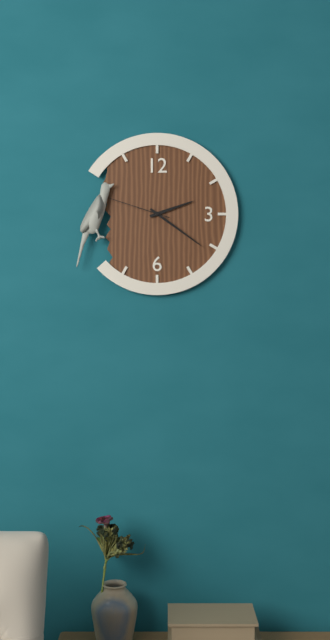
{"hour": 2, "minute": 21, "second": 48}
